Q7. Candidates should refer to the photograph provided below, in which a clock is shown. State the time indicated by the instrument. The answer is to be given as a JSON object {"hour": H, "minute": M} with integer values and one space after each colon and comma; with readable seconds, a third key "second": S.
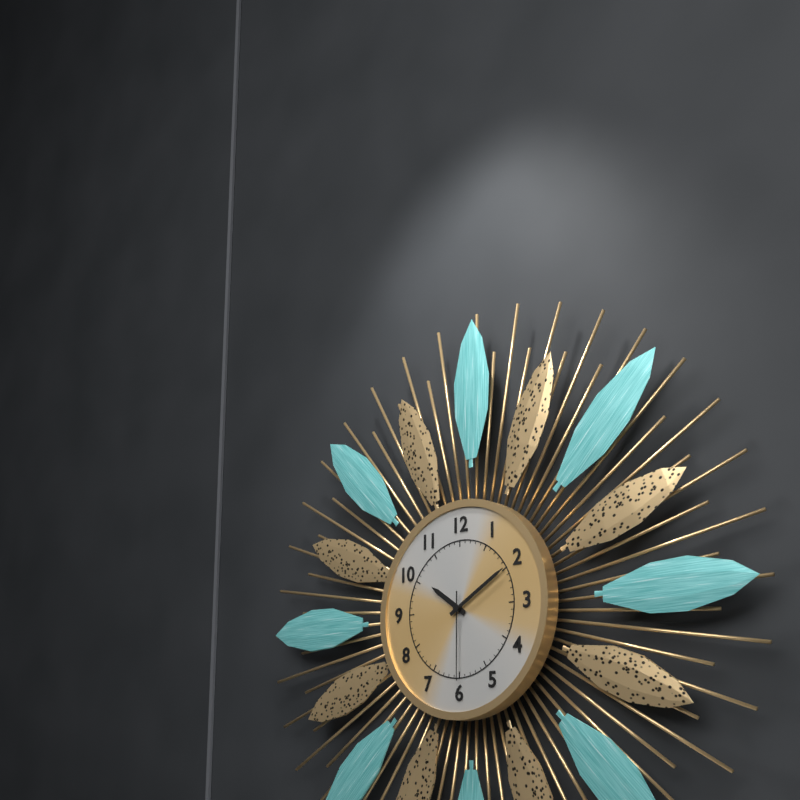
{"hour": 10, "minute": 10, "second": 30}
